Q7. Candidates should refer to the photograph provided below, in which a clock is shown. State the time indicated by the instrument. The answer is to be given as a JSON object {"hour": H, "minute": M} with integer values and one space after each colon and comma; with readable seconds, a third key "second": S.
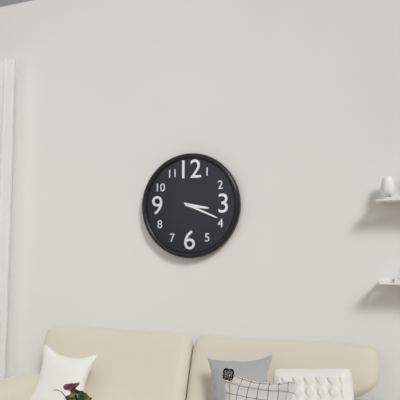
{"hour": 3, "minute": 19}
